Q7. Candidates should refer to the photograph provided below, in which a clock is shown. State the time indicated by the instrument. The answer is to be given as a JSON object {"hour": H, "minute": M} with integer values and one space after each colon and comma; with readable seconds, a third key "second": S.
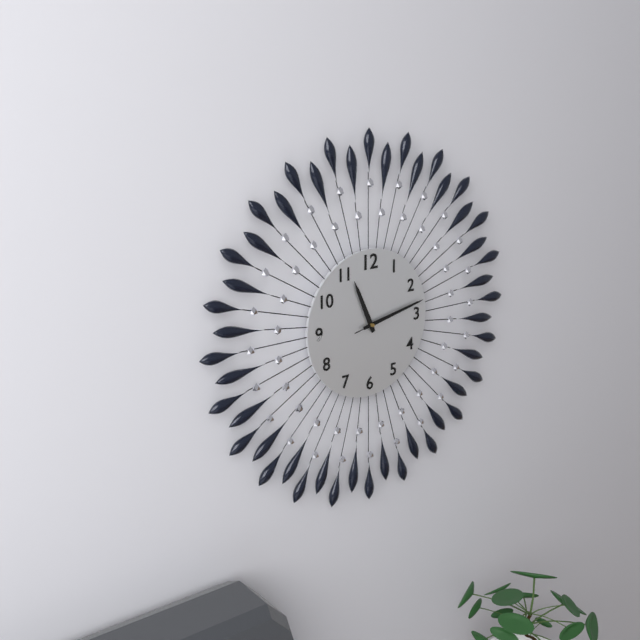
{"hour": 11, "minute": 13, "second": 13}
